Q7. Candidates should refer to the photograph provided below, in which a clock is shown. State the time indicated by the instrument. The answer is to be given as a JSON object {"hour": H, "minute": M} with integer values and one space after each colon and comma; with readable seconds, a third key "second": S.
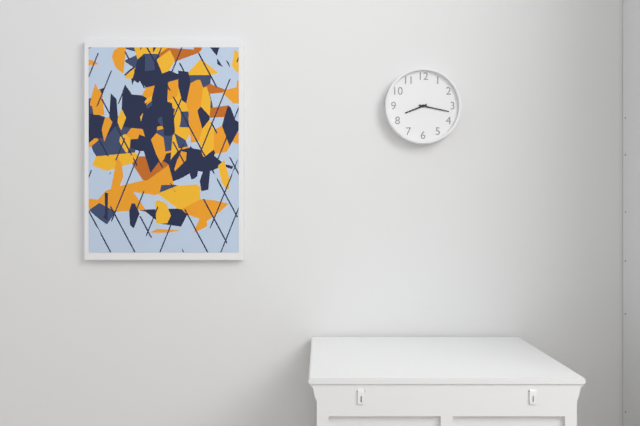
{"hour": 8, "minute": 17}
